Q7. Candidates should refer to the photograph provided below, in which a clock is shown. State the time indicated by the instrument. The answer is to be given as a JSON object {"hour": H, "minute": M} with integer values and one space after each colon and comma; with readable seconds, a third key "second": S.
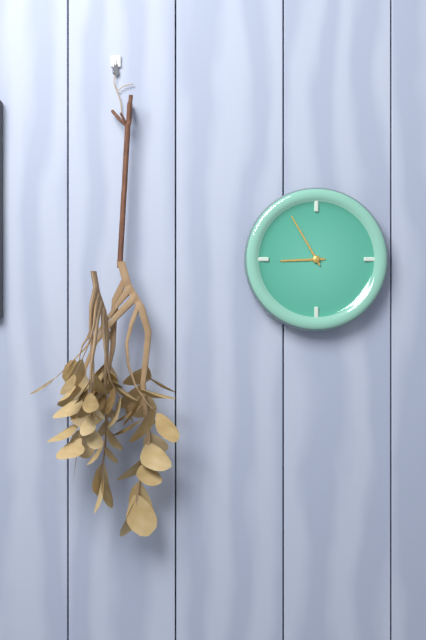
{"hour": 8, "minute": 55}
